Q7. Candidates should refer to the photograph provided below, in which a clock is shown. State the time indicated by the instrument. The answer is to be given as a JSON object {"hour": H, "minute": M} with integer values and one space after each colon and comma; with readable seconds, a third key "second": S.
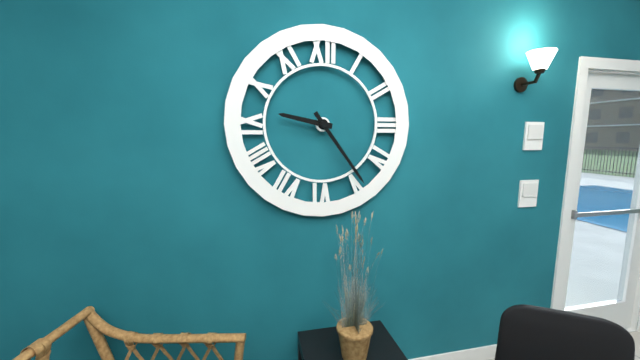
{"hour": 9, "minute": 24}
